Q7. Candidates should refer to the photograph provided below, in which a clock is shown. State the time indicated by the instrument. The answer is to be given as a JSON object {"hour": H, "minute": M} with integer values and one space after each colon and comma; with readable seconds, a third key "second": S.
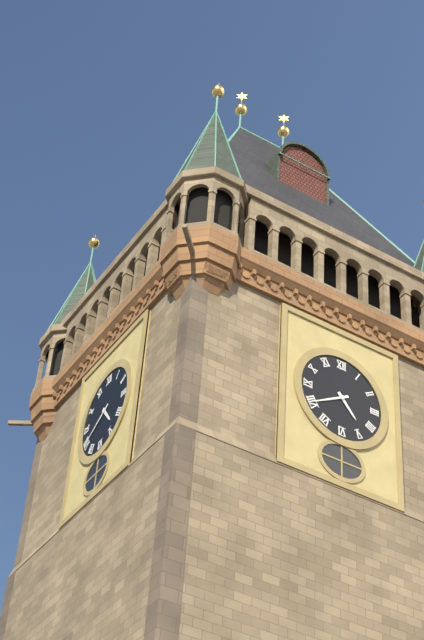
{"hour": 4, "minute": 40}
